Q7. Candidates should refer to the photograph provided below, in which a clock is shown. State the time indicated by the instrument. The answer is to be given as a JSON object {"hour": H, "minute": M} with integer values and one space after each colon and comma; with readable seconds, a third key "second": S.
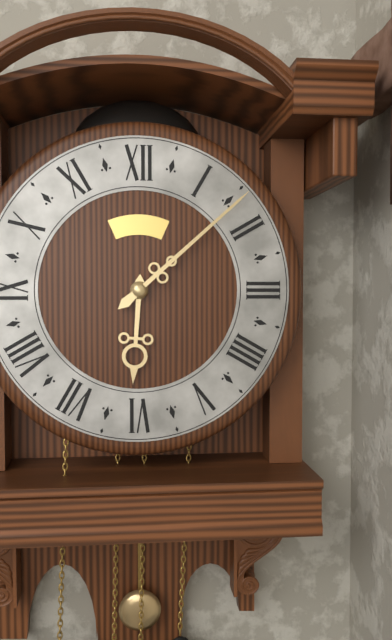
{"hour": 6, "minute": 8}
